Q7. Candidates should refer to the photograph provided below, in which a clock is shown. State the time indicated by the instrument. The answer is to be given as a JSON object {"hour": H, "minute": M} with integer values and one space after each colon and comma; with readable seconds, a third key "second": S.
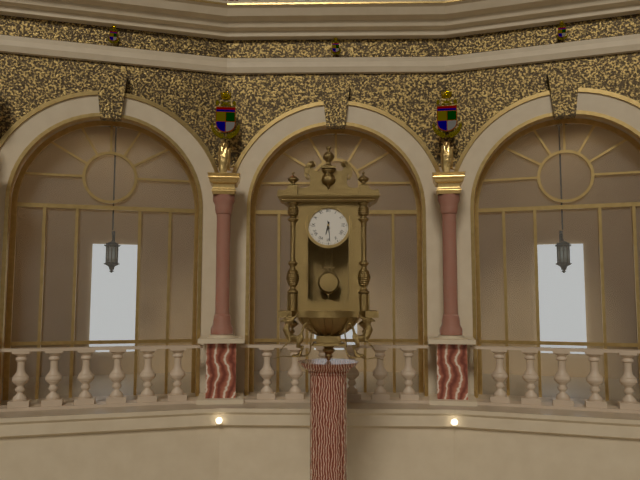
{"hour": 6, "minute": 29}
